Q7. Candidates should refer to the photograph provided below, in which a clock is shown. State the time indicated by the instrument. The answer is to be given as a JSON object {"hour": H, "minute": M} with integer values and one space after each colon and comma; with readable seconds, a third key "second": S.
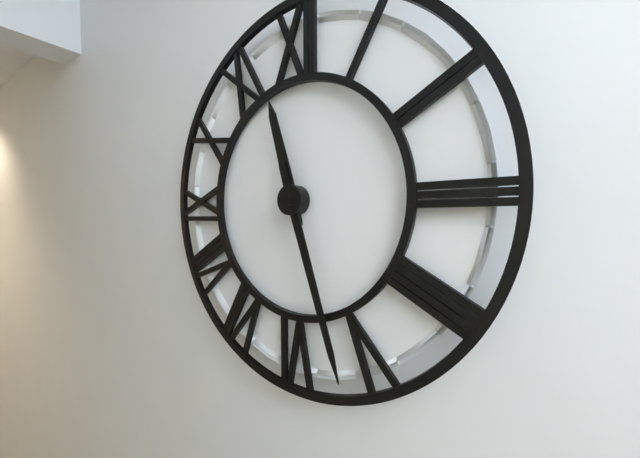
{"hour": 11, "minute": 27}
